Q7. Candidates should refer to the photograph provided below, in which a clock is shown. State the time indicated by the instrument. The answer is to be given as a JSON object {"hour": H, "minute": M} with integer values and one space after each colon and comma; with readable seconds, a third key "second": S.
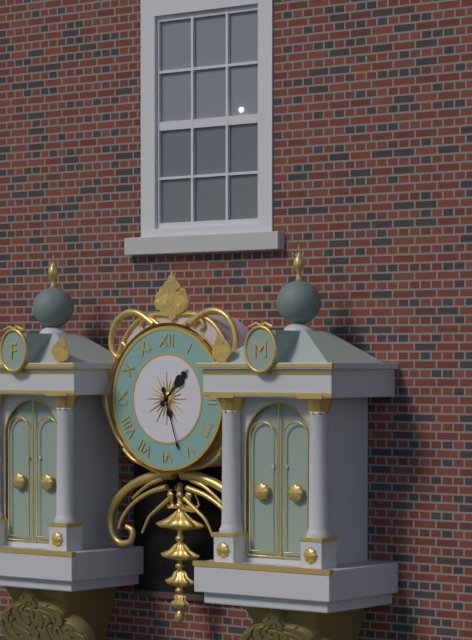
{"hour": 1, "minute": 27}
